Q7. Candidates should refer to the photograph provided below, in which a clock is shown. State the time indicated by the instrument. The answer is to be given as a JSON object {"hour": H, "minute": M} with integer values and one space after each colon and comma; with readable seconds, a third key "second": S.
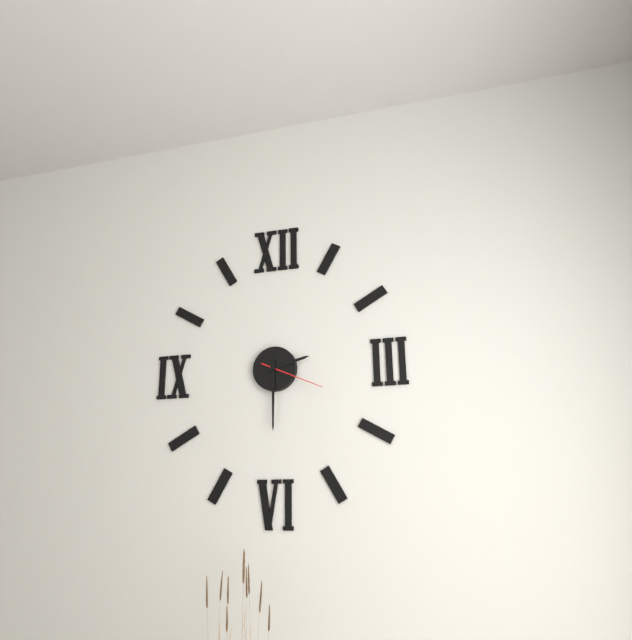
{"hour": 2, "minute": 30, "second": 19}
